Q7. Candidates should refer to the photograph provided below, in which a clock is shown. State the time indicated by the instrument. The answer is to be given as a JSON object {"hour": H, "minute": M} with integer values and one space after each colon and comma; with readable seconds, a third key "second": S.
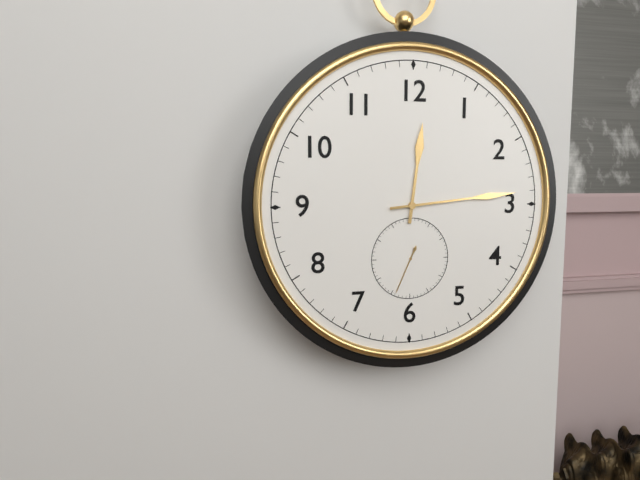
{"hour": 12, "minute": 14}
